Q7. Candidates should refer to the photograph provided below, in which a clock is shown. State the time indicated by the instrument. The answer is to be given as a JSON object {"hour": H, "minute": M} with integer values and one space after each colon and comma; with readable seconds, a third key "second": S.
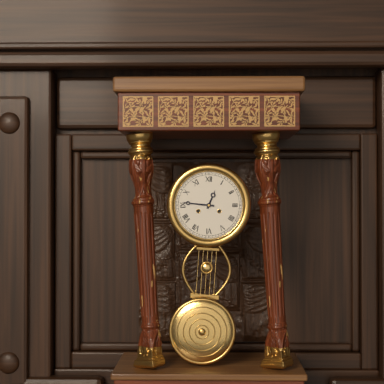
{"hour": 12, "minute": 46}
